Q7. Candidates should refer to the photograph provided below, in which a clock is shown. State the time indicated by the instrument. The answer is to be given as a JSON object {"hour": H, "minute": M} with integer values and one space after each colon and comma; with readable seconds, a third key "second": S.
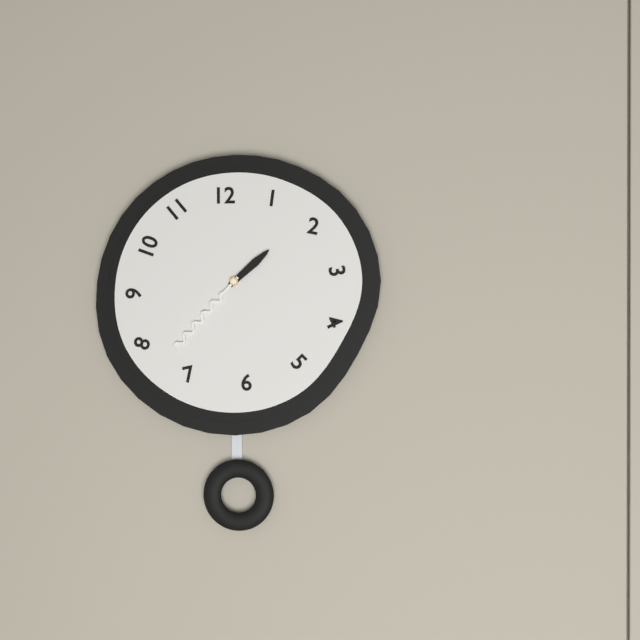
{"hour": 1, "minute": 37}
